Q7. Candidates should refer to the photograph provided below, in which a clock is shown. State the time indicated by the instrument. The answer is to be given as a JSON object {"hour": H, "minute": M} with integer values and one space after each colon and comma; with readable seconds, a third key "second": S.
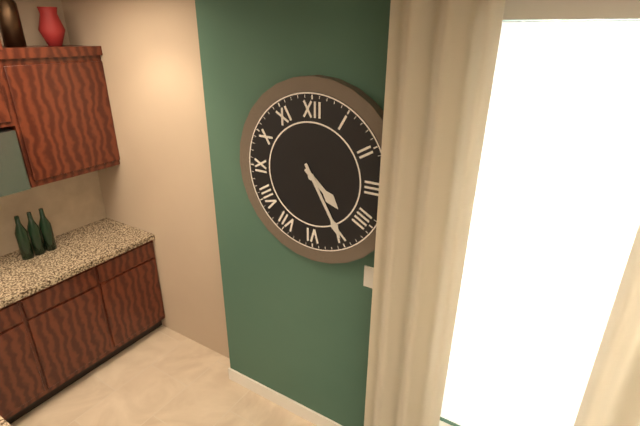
{"hour": 4, "minute": 25}
